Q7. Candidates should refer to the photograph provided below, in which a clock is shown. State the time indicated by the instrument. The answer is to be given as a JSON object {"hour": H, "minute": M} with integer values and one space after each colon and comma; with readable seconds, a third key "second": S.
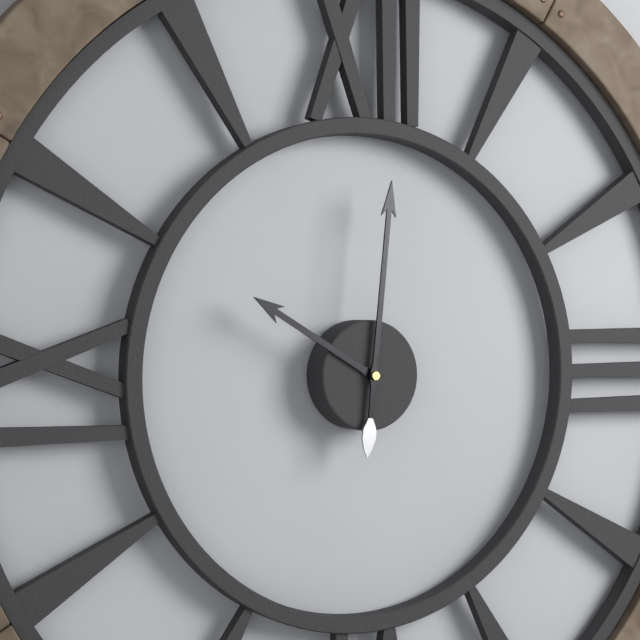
{"hour": 10, "minute": 1}
